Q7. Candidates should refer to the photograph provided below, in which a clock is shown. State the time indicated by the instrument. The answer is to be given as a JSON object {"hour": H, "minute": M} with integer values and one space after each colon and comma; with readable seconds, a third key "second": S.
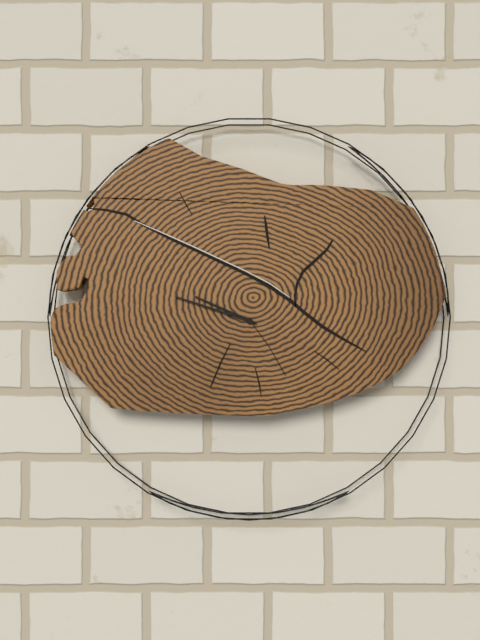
{"hour": 9, "minute": 48}
